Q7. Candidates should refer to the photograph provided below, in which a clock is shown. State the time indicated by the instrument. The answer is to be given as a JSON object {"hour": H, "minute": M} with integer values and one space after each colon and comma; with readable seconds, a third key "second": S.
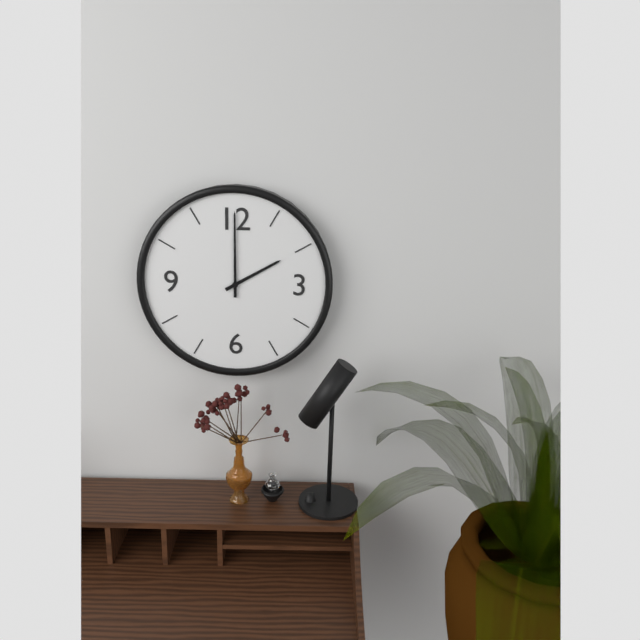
{"hour": 2, "minute": 0}
